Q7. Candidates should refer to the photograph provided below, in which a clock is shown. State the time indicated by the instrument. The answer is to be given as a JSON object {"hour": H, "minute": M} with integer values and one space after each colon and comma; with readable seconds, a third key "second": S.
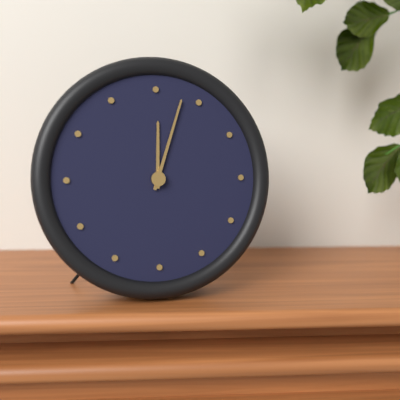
{"hour": 12, "minute": 3}
